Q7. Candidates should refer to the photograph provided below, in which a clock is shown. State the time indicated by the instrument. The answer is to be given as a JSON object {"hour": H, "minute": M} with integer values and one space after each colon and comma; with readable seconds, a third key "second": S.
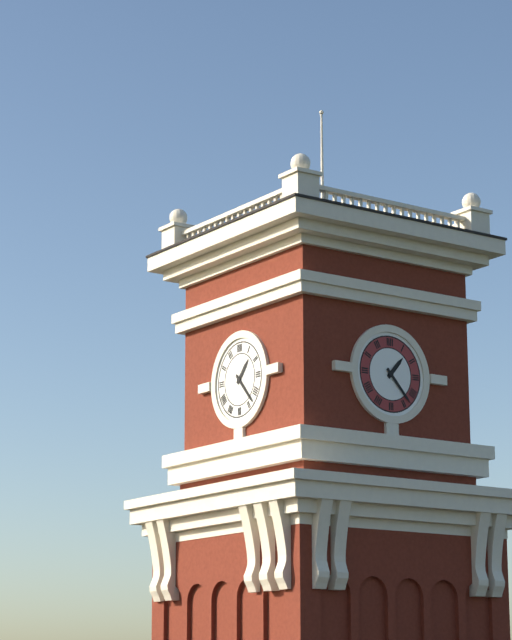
{"hour": 1, "minute": 23}
